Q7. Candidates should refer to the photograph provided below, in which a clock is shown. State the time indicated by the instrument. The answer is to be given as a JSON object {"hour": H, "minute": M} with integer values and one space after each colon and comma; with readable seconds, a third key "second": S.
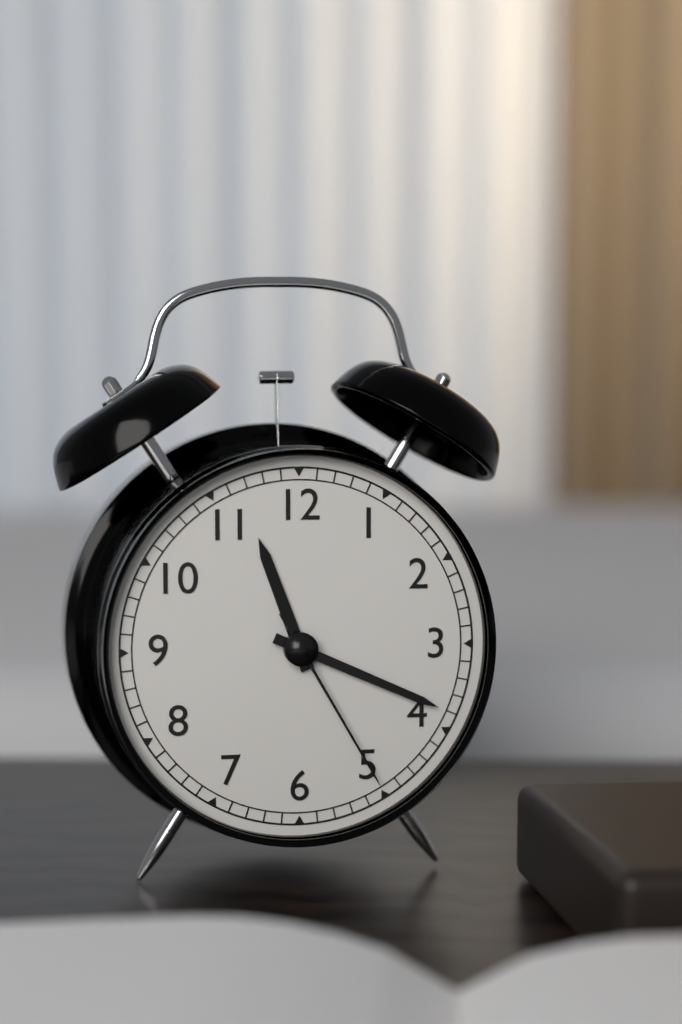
{"hour": 11, "minute": 19, "second": 25}
